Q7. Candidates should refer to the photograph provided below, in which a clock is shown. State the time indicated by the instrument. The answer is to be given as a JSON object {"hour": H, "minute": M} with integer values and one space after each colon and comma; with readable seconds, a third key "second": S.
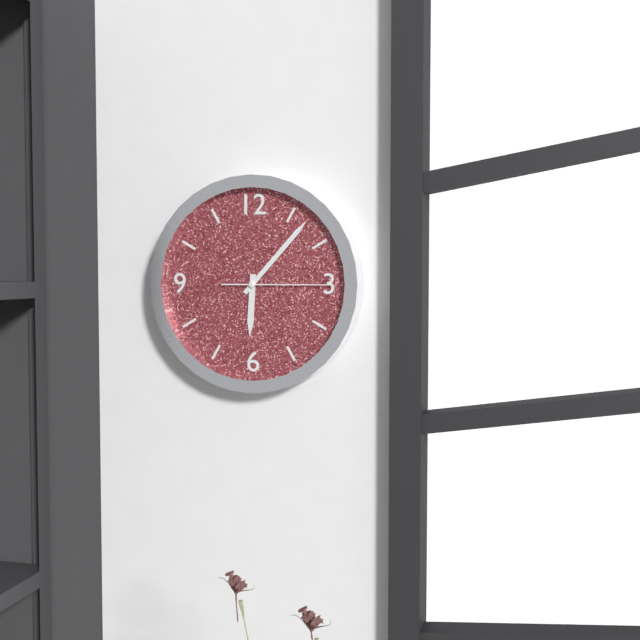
{"hour": 6, "minute": 7, "second": 15}
